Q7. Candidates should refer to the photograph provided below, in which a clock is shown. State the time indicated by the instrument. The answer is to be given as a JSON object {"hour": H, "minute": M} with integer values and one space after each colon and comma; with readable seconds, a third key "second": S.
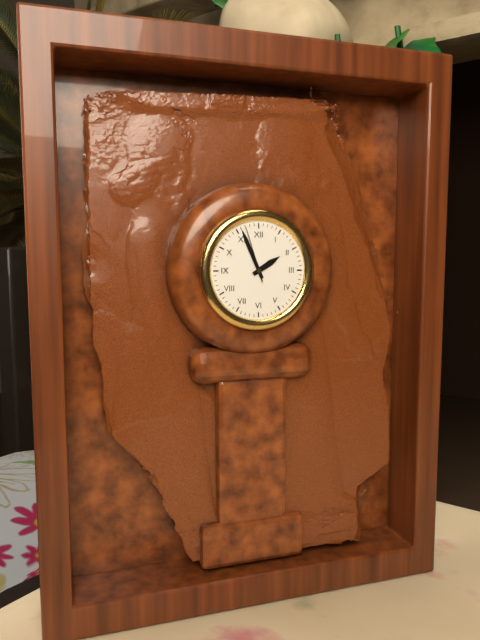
{"hour": 1, "minute": 56, "second": 57}
